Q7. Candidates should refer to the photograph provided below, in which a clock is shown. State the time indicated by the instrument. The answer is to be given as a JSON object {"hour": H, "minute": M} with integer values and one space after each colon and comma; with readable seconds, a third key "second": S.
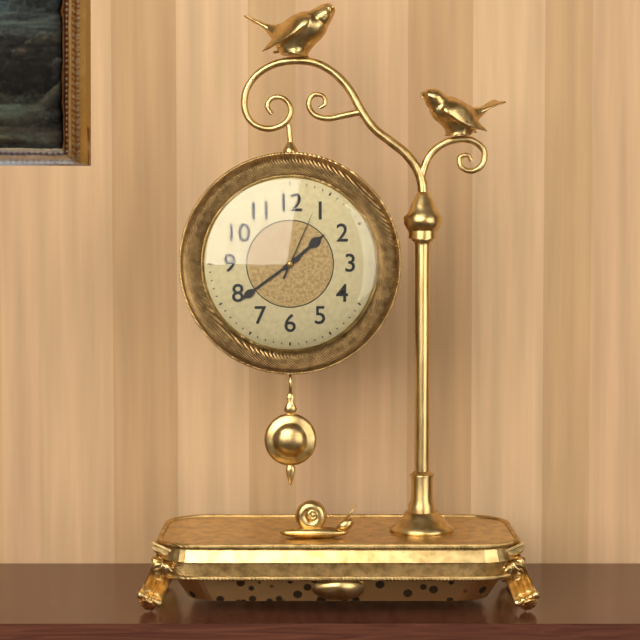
{"hour": 1, "minute": 39, "second": 4}
